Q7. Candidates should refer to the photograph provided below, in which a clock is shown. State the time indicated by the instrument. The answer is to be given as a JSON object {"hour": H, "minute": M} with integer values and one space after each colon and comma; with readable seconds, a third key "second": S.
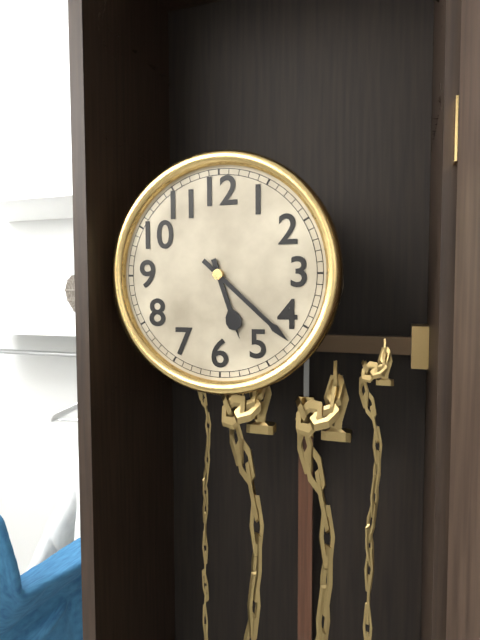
{"hour": 5, "minute": 22}
